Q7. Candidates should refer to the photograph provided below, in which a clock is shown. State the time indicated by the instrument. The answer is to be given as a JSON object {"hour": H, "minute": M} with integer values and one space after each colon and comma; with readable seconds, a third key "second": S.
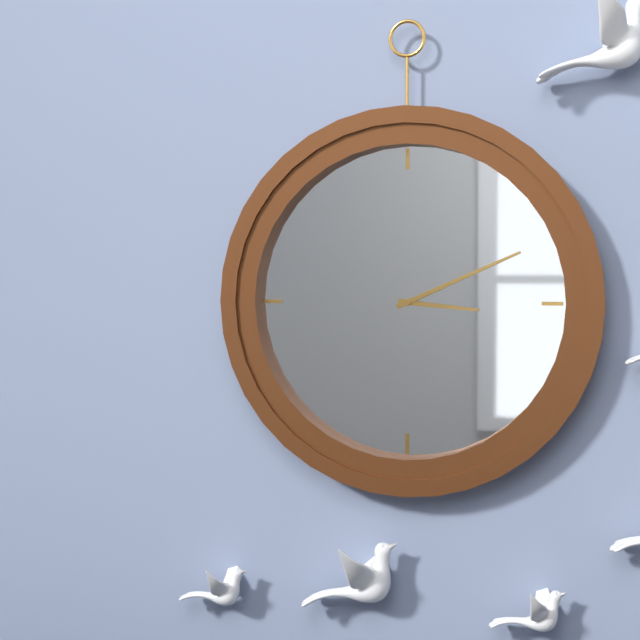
{"hour": 3, "minute": 11}
